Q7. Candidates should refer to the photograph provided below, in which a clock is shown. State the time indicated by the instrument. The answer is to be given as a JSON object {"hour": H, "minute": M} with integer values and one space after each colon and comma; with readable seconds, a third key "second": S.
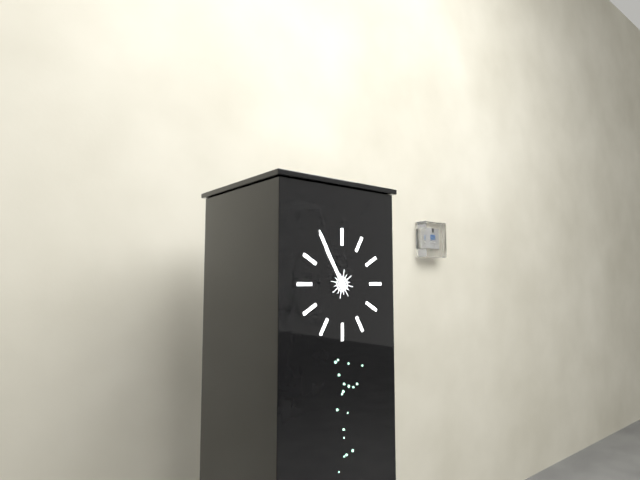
{"hour": 10, "minute": 55}
